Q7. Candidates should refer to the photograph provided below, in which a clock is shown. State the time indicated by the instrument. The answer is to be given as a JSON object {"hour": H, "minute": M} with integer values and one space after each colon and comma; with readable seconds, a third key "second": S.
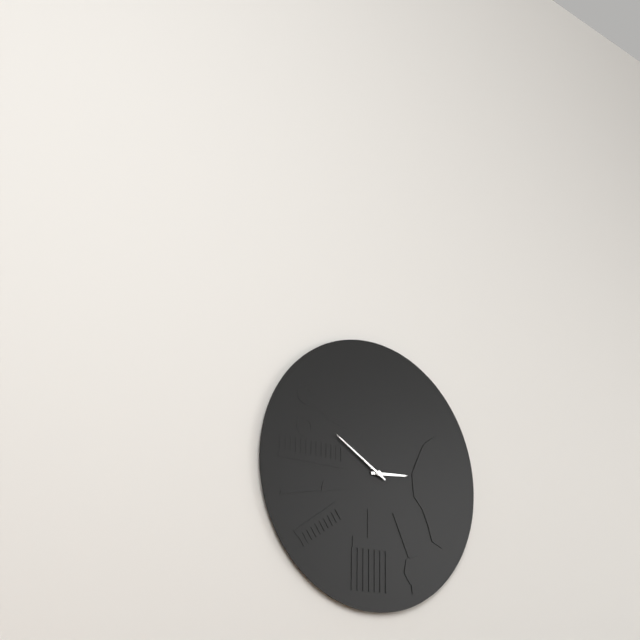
{"hour": 2, "minute": 50}
